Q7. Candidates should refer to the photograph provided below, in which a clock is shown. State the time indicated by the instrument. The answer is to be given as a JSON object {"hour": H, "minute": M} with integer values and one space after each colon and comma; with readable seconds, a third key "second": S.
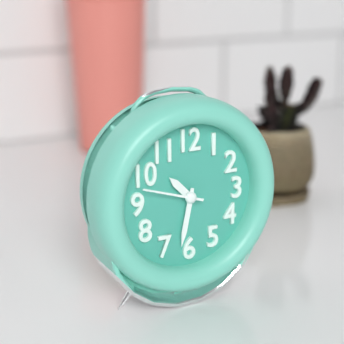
{"hour": 10, "minute": 32, "second": 48}
